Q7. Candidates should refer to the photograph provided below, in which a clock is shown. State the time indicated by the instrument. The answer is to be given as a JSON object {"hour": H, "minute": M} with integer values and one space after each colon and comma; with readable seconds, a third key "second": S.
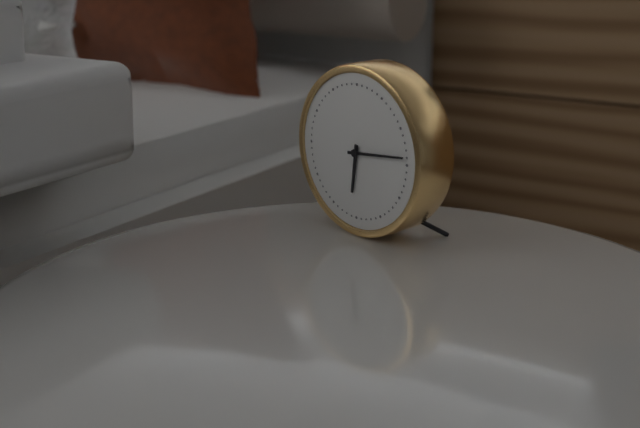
{"hour": 6, "minute": 14}
